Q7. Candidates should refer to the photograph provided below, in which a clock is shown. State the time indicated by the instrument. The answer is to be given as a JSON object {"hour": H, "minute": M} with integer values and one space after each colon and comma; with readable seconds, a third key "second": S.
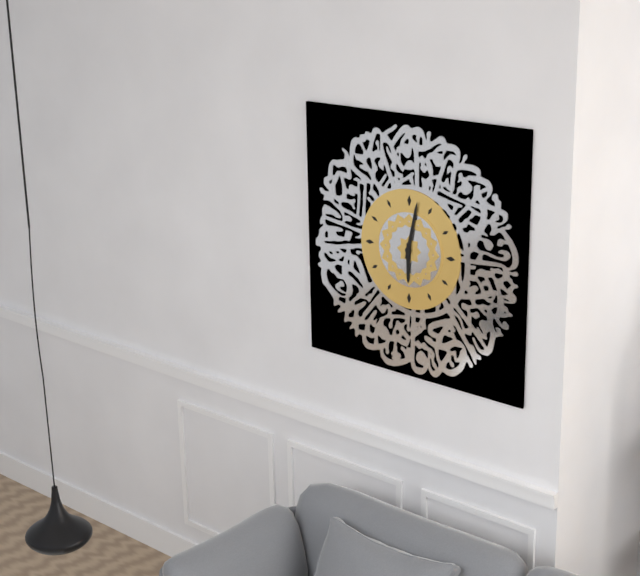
{"hour": 6, "minute": 2}
